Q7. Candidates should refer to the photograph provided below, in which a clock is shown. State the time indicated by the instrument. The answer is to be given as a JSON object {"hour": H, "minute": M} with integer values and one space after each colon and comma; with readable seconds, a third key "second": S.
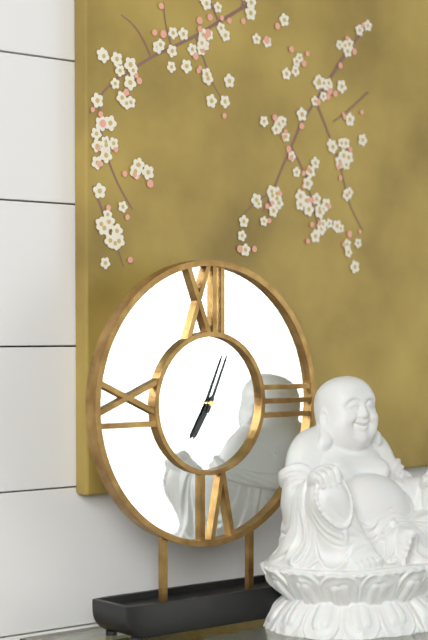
{"hour": 7, "minute": 4}
